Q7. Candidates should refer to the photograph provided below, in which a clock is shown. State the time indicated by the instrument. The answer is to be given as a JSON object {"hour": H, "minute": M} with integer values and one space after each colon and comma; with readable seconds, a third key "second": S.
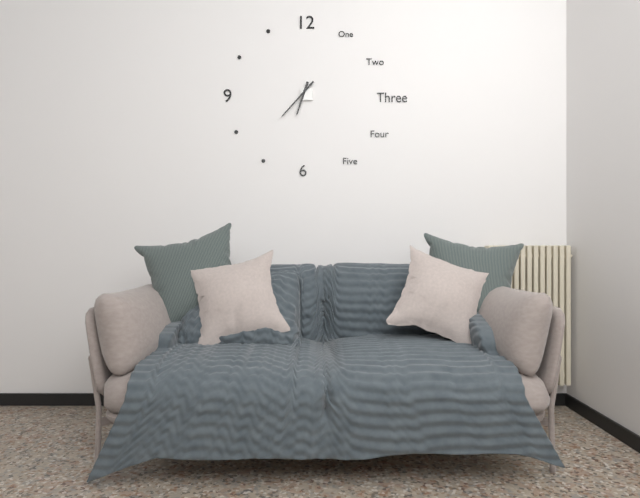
{"hour": 6, "minute": 37}
